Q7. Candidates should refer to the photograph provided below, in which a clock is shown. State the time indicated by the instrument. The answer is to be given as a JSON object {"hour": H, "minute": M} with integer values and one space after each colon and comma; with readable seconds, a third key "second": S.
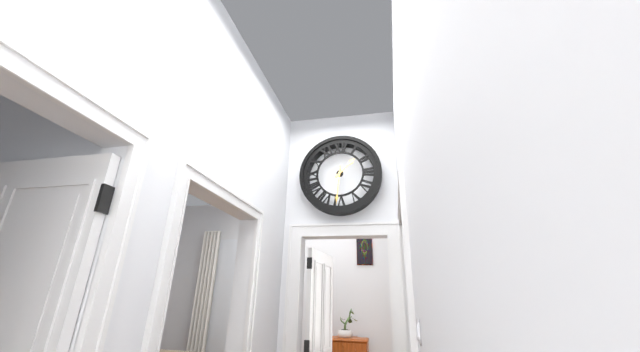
{"hour": 1, "minute": 31}
